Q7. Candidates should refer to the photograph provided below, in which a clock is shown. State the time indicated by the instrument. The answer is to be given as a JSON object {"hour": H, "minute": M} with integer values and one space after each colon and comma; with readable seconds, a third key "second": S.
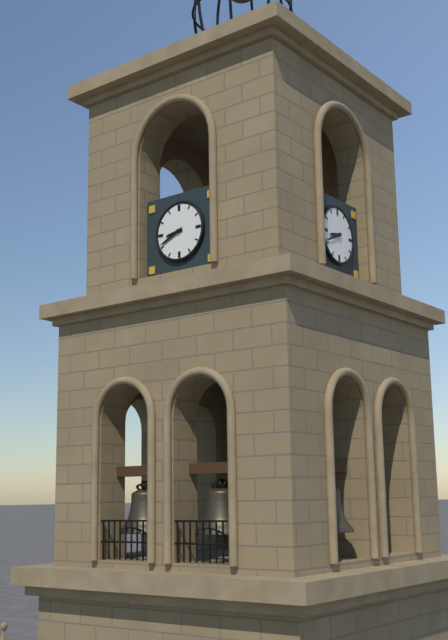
{"hour": 8, "minute": 41}
